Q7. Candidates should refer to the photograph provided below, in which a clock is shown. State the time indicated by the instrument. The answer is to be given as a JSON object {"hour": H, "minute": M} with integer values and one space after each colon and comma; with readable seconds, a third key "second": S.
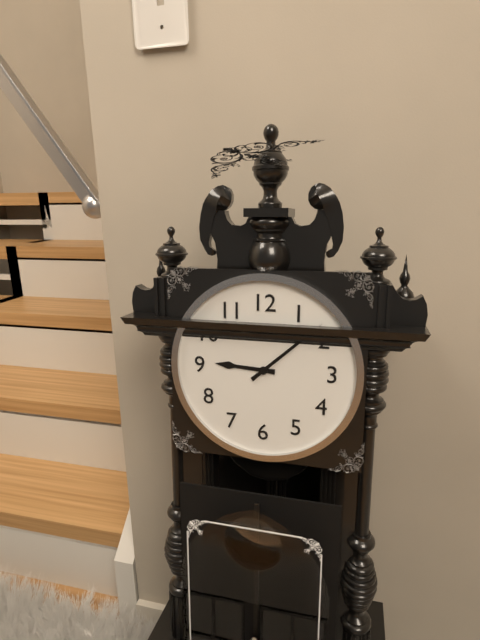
{"hour": 9, "minute": 8}
